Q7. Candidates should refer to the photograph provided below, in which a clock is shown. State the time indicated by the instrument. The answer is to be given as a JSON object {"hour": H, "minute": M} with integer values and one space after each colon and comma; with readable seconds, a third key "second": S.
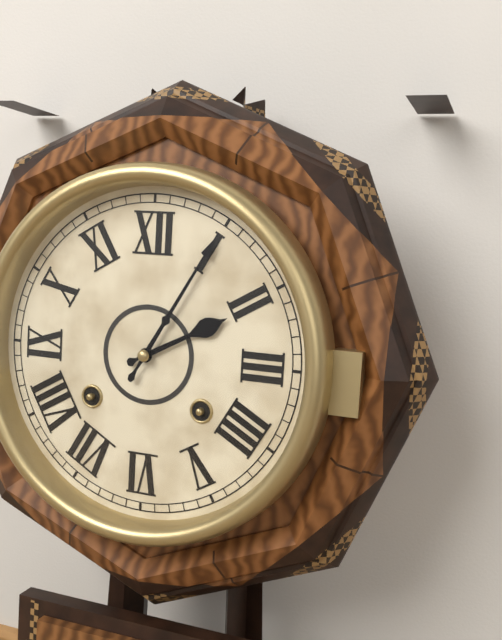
{"hour": 2, "minute": 5}
